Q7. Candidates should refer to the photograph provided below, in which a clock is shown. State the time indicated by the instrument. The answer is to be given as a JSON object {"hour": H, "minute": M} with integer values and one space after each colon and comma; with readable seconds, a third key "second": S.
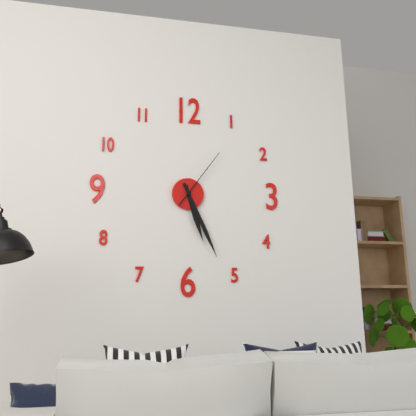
{"hour": 5, "minute": 26, "second": 6}
